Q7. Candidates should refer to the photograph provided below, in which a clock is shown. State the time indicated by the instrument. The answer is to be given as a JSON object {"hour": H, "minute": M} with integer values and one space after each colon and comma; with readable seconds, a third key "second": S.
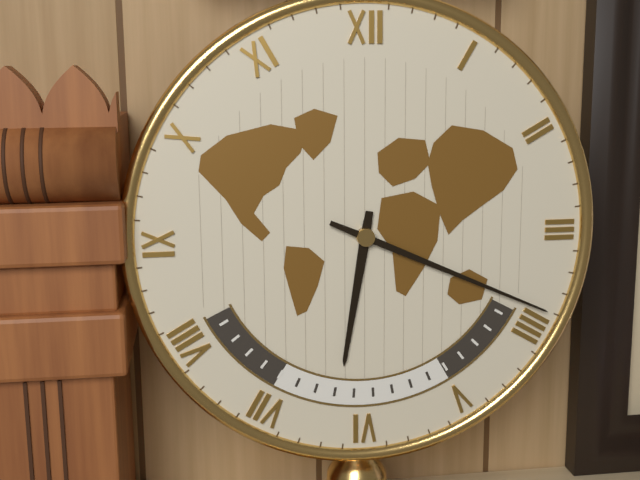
{"hour": 6, "minute": 19}
